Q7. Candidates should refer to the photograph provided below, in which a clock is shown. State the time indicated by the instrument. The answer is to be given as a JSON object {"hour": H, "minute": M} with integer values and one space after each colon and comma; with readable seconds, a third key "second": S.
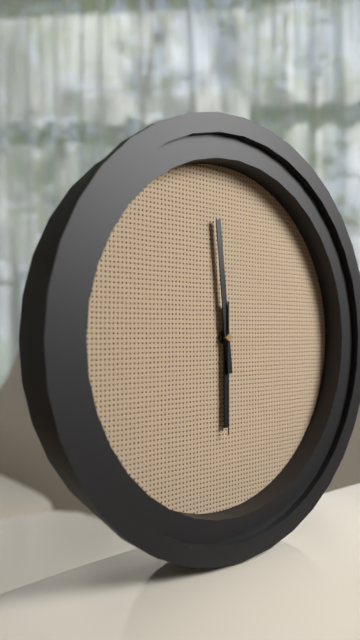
{"hour": 5, "minute": 59, "second": 30}
